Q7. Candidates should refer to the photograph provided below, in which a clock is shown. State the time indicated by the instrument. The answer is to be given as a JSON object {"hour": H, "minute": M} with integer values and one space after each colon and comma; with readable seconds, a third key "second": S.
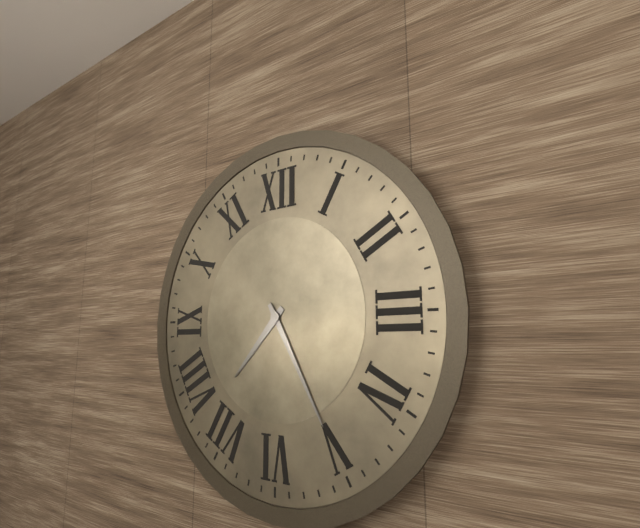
{"hour": 7, "minute": 25}
